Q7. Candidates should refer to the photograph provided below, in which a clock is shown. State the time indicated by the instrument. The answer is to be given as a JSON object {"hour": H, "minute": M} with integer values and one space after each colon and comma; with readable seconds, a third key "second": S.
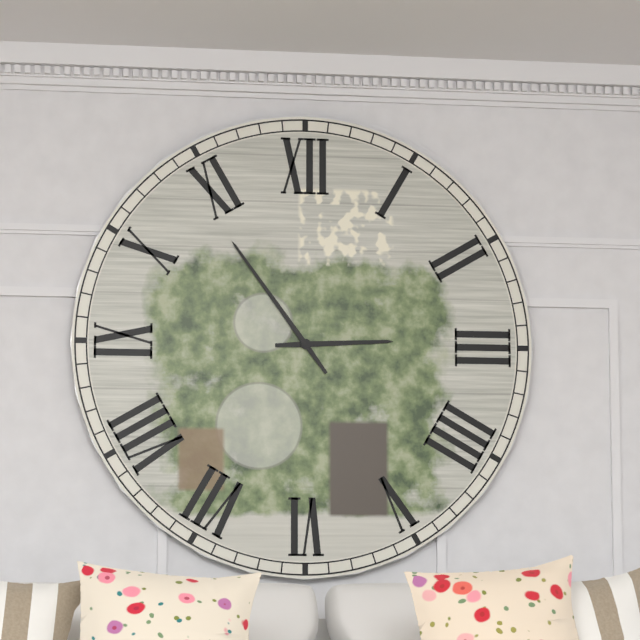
{"hour": 2, "minute": 54}
